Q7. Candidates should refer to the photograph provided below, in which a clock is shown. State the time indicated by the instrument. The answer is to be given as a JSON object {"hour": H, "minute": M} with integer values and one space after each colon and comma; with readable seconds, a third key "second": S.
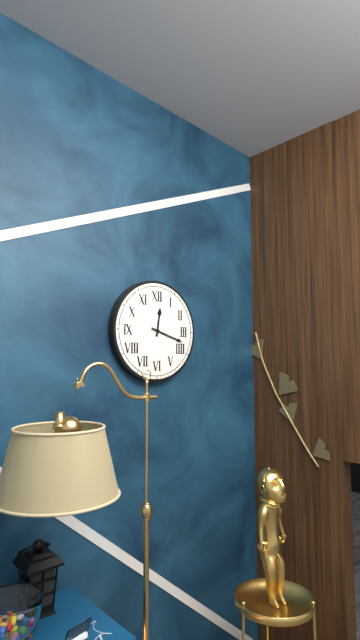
{"hour": 12, "minute": 18}
